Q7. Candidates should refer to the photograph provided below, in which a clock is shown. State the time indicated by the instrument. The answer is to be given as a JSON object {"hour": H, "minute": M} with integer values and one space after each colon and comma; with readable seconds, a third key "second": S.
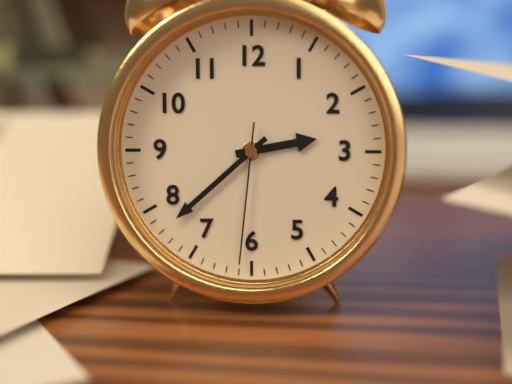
{"hour": 2, "minute": 38, "second": 31}
